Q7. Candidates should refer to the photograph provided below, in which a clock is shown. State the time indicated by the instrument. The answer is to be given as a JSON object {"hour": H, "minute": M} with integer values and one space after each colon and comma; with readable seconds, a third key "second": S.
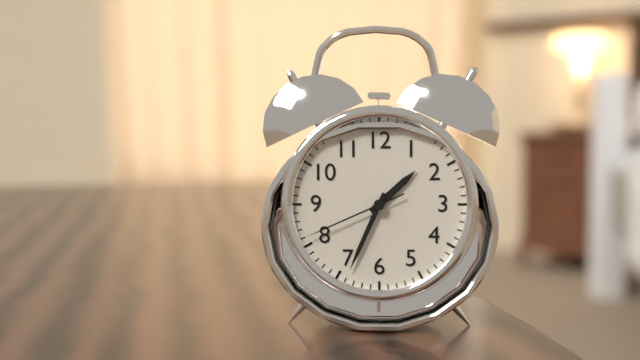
{"hour": 1, "minute": 34, "second": 41}
